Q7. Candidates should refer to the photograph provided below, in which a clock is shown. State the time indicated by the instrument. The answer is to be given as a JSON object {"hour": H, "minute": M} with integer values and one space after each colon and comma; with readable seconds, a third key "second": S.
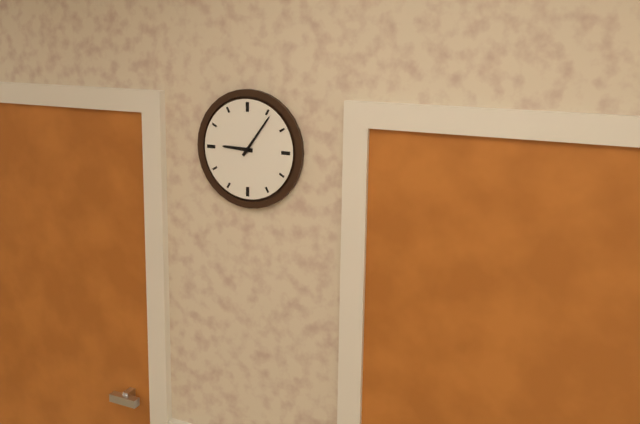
{"hour": 9, "minute": 6}
